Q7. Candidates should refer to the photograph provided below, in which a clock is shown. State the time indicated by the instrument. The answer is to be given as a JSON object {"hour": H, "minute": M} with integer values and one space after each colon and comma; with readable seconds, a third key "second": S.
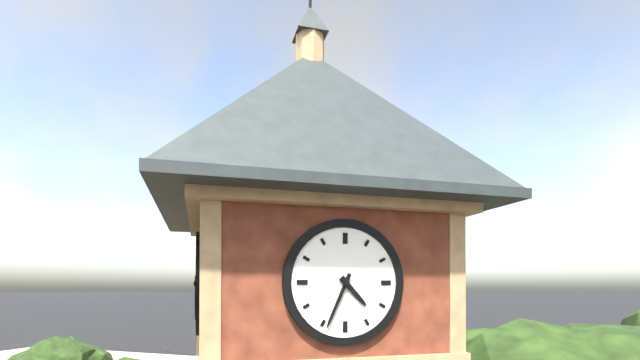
{"hour": 4, "minute": 34}
